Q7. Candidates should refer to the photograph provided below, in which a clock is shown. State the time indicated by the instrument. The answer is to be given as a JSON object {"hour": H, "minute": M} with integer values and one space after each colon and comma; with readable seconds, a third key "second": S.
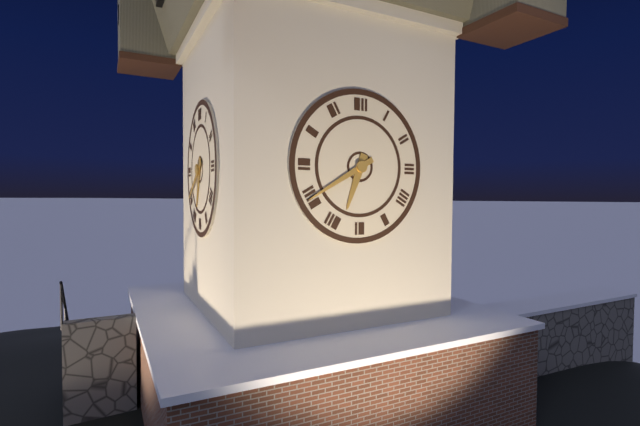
{"hour": 6, "minute": 40}
